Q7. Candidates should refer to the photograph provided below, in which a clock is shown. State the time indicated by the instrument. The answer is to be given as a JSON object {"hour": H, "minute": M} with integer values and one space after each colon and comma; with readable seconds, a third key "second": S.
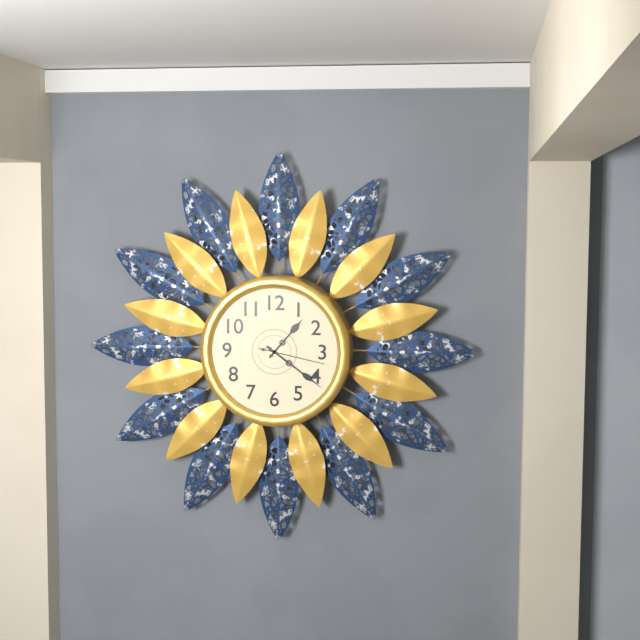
{"hour": 1, "minute": 21, "second": 17}
